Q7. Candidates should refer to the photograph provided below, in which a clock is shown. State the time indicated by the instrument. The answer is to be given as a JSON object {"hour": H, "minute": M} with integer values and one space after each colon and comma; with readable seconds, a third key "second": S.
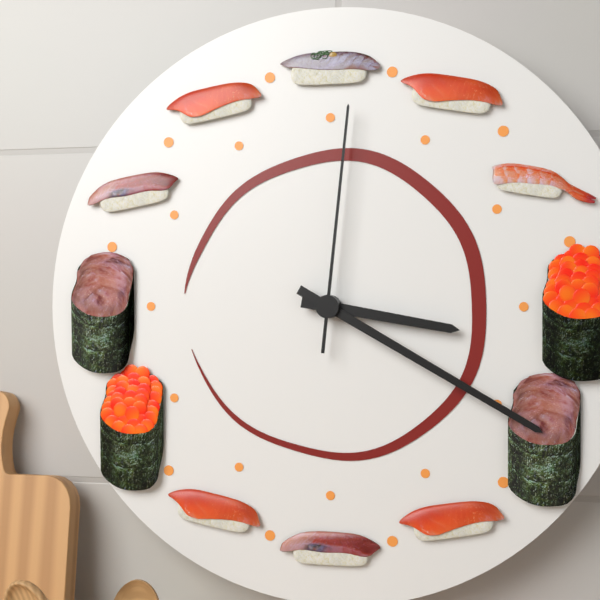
{"hour": 3, "minute": 20, "second": 1}
